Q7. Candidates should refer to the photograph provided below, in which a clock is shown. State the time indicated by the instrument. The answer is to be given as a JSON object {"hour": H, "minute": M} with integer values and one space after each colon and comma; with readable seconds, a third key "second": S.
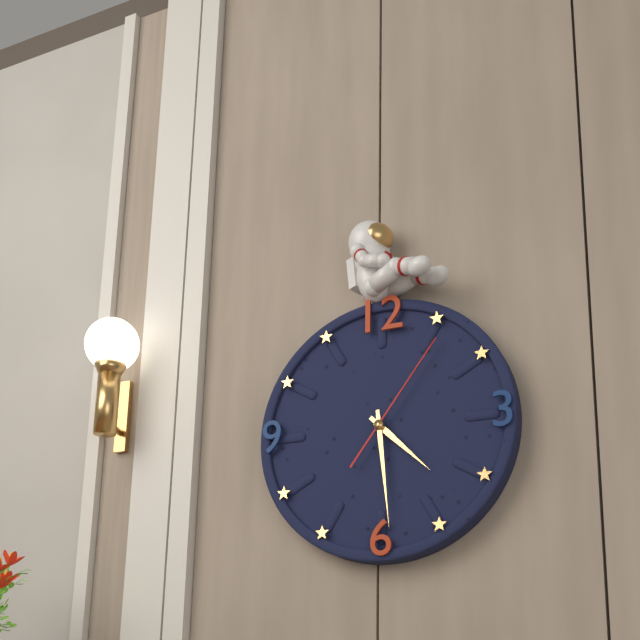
{"hour": 4, "minute": 29, "second": 6}
